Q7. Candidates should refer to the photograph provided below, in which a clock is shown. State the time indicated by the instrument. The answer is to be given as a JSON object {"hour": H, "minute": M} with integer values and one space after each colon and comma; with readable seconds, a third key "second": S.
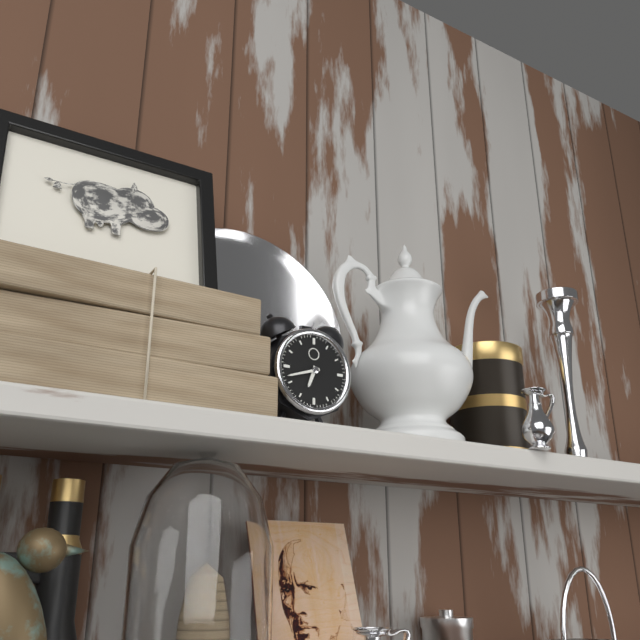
{"hour": 6, "minute": 42}
